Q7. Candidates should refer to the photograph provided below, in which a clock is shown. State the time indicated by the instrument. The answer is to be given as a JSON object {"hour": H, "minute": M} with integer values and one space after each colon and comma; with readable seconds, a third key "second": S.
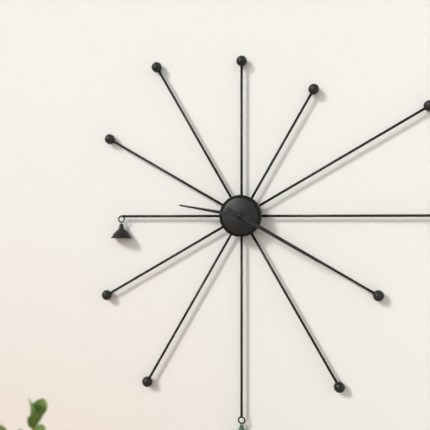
{"hour": 9, "minute": 20}
